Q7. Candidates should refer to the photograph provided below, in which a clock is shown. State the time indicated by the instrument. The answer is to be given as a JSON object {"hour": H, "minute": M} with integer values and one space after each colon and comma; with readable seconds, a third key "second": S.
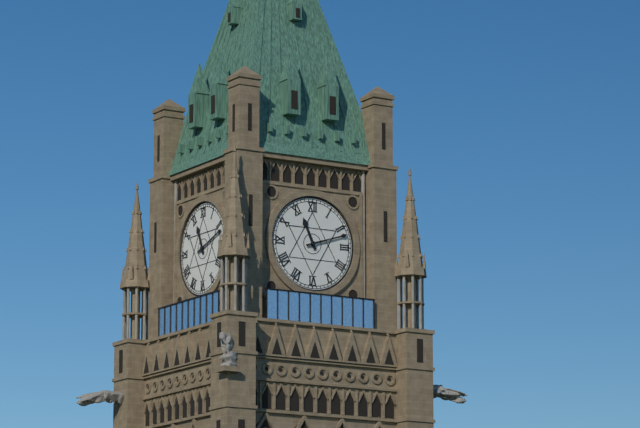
{"hour": 11, "minute": 12}
